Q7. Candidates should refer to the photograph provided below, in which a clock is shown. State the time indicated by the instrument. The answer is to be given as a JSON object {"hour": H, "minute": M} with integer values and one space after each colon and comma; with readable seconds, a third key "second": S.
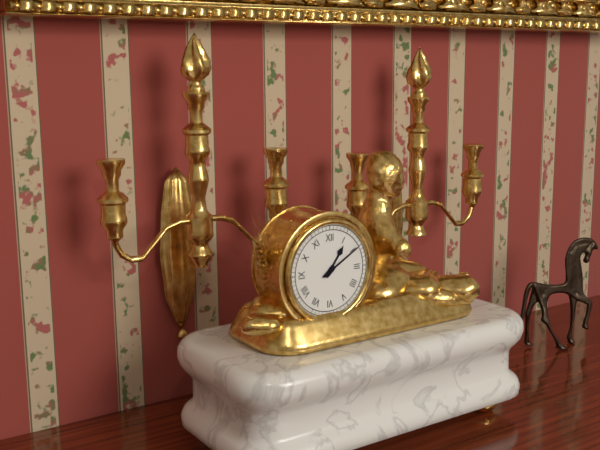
{"hour": 1, "minute": 10}
